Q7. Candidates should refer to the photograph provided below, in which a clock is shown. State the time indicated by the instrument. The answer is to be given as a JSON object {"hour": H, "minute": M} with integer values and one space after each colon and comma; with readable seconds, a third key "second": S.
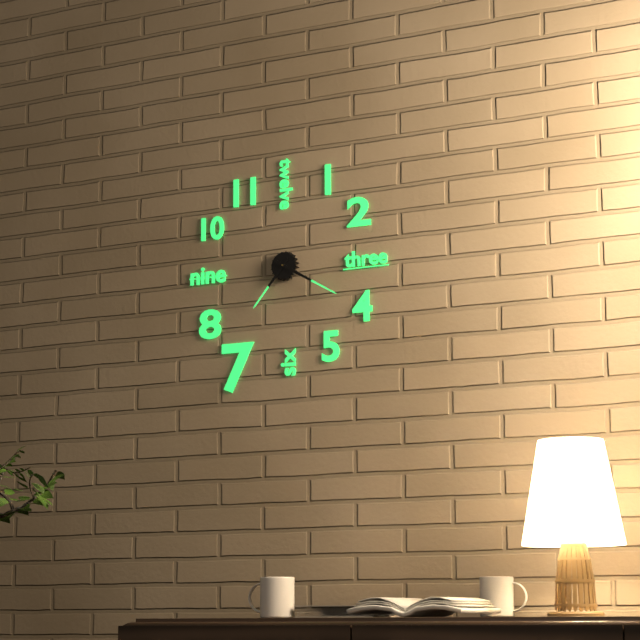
{"hour": 7, "minute": 20}
